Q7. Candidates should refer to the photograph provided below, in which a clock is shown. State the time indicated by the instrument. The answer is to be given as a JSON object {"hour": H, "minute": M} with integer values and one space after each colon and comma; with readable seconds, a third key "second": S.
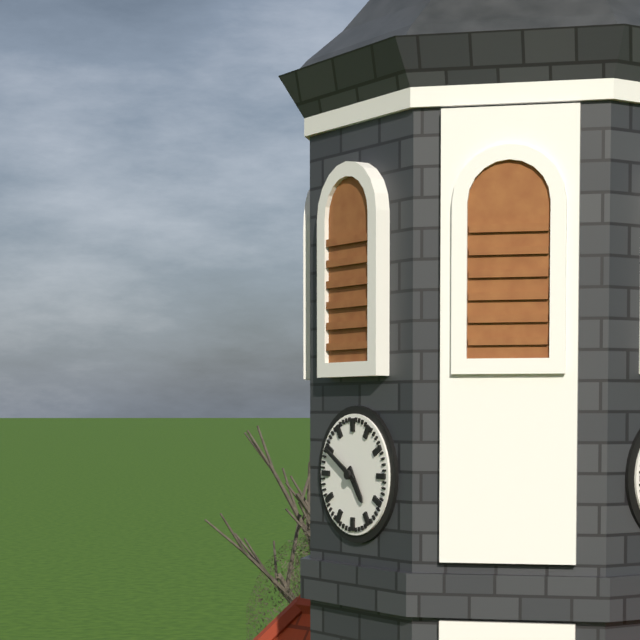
{"hour": 4, "minute": 50}
